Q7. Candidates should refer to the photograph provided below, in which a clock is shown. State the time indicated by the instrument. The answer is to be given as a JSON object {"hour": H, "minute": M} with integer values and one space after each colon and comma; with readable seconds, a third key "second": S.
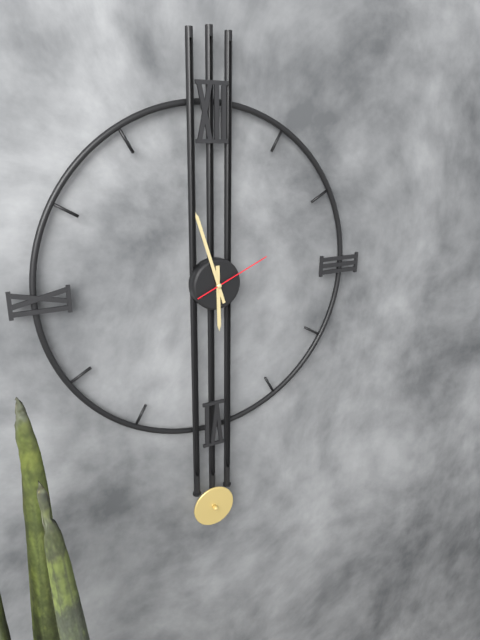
{"hour": 5, "minute": 57, "second": 11}
